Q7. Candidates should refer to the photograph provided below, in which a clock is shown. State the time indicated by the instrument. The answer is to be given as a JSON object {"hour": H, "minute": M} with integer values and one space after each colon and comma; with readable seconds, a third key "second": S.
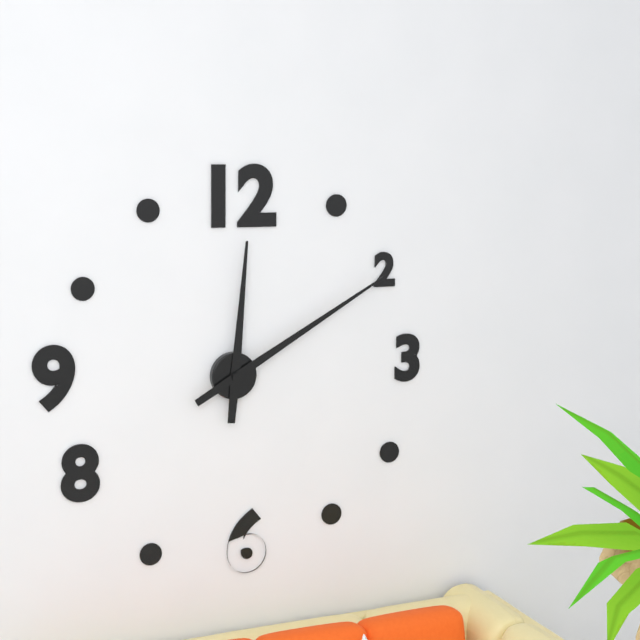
{"hour": 12, "minute": 10}
